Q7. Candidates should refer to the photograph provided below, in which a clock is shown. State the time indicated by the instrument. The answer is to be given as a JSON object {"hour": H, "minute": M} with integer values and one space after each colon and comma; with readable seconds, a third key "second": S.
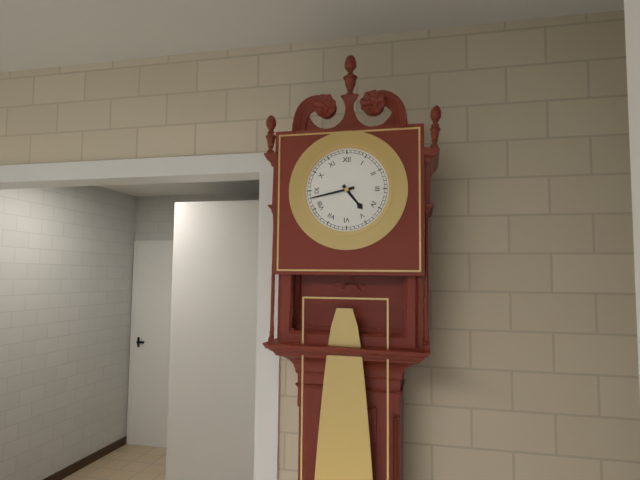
{"hour": 4, "minute": 43}
